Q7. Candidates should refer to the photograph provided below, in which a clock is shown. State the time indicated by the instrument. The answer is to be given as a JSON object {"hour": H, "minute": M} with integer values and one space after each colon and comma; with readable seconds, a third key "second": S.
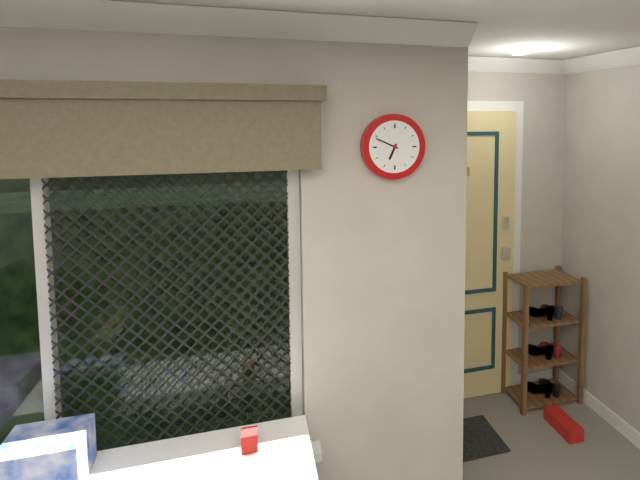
{"hour": 6, "minute": 49}
